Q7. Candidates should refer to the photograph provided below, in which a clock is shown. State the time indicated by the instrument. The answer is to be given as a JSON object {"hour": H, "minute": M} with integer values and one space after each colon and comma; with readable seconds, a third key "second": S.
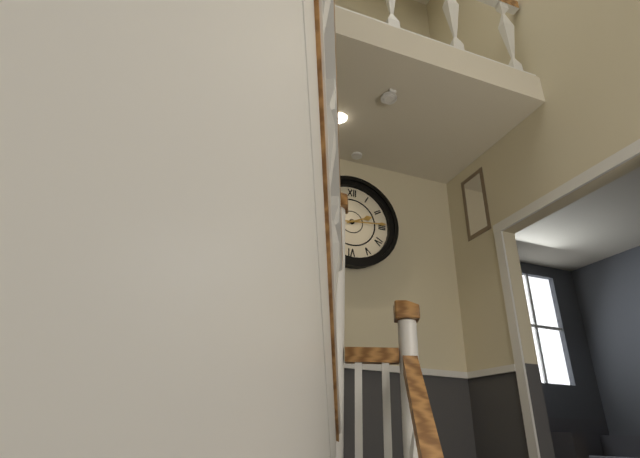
{"hour": 2, "minute": 14}
